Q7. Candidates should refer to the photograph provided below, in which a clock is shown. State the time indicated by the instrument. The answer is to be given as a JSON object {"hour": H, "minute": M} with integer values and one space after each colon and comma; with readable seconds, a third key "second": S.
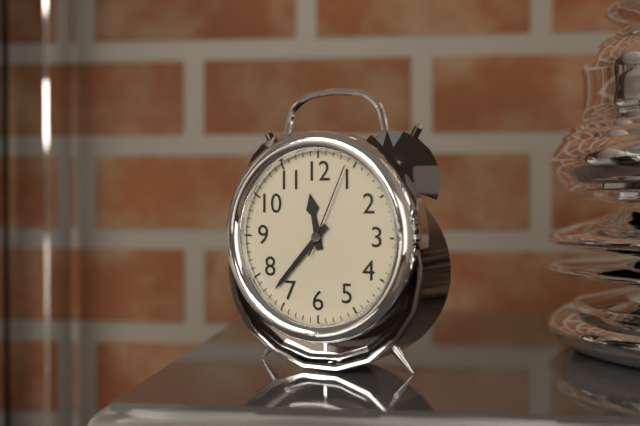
{"hour": 11, "minute": 37, "second": 4}
